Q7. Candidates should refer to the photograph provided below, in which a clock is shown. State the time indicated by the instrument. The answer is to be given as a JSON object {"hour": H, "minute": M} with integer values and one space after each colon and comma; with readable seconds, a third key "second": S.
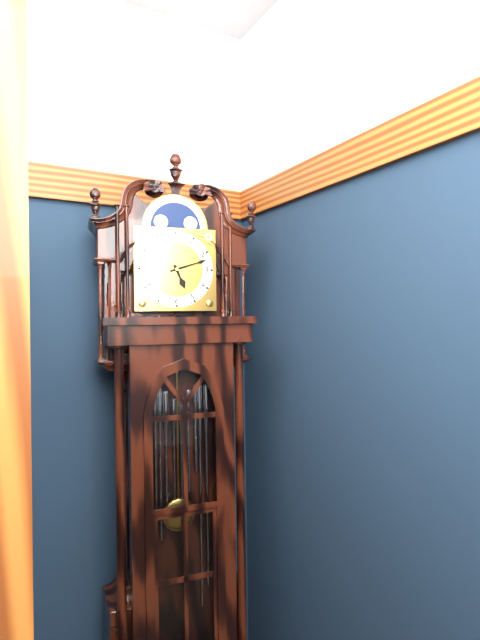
{"hour": 5, "minute": 12}
